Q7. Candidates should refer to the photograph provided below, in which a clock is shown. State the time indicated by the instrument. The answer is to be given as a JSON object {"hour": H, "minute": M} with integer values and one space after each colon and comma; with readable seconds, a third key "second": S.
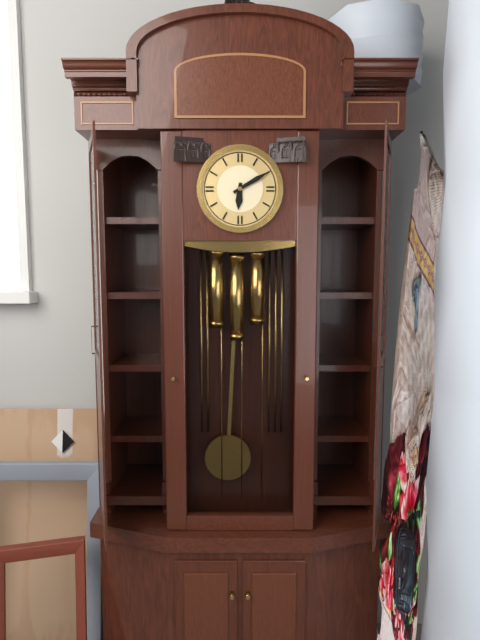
{"hour": 6, "minute": 10}
